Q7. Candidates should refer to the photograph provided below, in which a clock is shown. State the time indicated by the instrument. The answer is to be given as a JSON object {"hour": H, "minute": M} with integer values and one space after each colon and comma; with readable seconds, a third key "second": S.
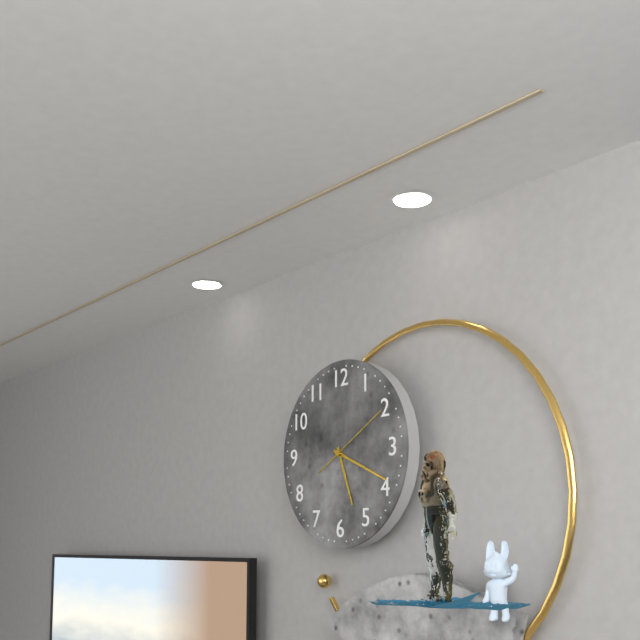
{"hour": 5, "minute": 19, "second": 10}
